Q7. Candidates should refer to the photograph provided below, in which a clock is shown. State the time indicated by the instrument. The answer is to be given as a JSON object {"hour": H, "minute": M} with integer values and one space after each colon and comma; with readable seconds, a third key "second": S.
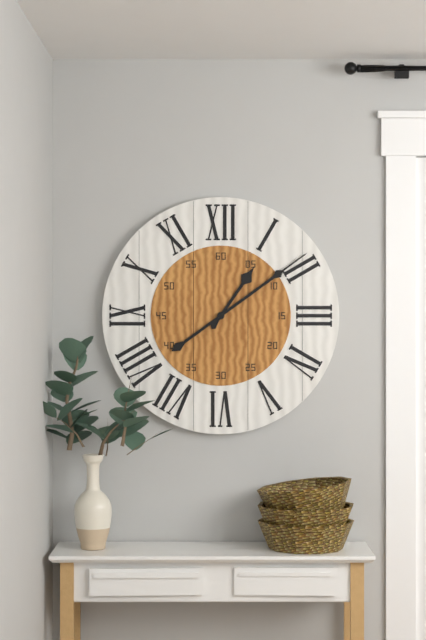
{"hour": 1, "minute": 9}
